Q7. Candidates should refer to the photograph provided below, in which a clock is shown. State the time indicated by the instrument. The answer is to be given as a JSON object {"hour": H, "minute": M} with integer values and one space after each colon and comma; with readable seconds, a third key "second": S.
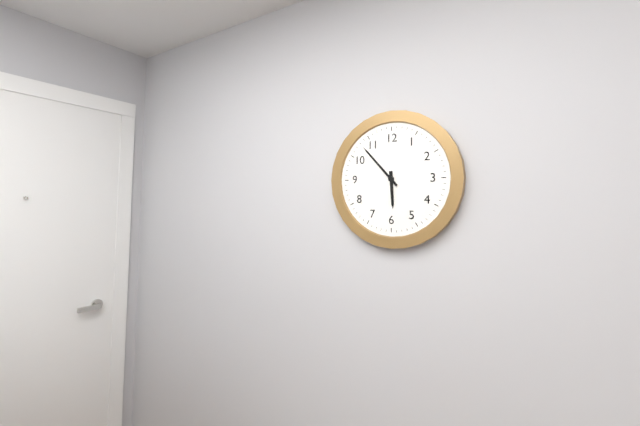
{"hour": 5, "minute": 53}
